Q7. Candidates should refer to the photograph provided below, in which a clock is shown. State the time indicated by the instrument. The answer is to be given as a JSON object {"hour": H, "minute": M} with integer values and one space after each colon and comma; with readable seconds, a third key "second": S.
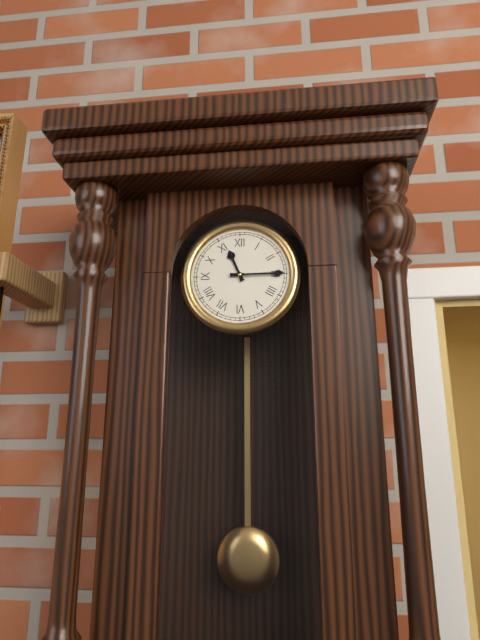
{"hour": 11, "minute": 15}
